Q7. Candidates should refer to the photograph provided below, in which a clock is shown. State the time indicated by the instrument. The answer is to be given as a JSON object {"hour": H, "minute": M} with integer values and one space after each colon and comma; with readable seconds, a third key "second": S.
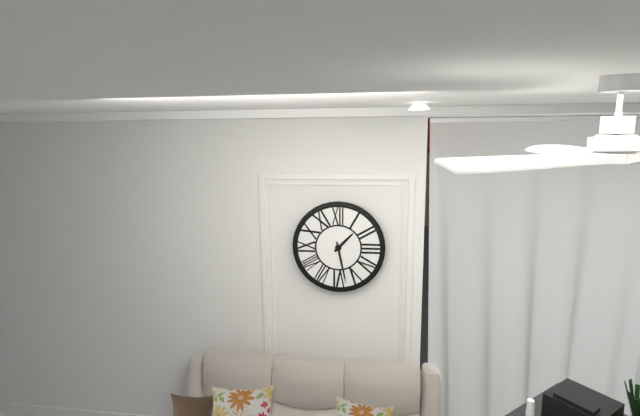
{"hour": 1, "minute": 28}
